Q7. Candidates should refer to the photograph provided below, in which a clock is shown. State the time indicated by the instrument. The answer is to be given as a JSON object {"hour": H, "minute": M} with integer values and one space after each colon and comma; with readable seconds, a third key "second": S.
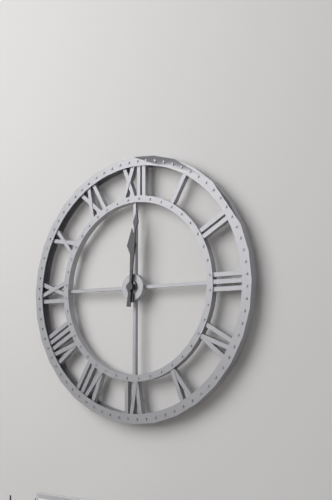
{"hour": 12, "minute": 1}
